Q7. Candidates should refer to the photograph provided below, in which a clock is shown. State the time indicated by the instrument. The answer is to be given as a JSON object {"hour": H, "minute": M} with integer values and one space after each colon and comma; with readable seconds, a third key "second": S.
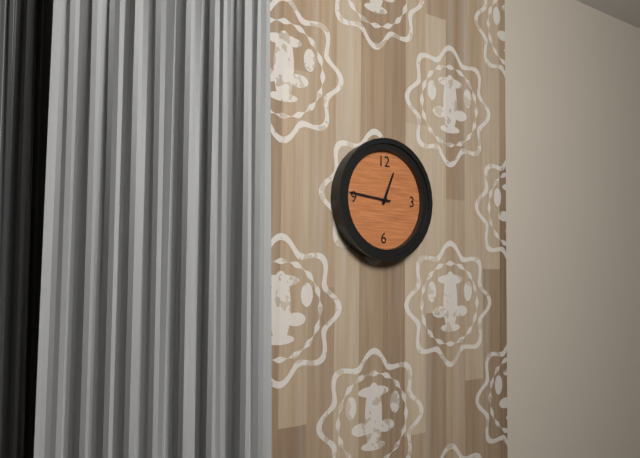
{"hour": 12, "minute": 46}
